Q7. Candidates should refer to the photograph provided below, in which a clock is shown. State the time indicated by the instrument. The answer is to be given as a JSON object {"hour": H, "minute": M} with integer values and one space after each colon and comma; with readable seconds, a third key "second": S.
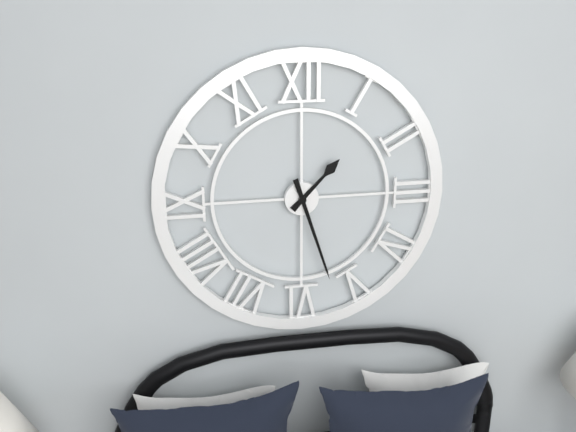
{"hour": 1, "minute": 27}
